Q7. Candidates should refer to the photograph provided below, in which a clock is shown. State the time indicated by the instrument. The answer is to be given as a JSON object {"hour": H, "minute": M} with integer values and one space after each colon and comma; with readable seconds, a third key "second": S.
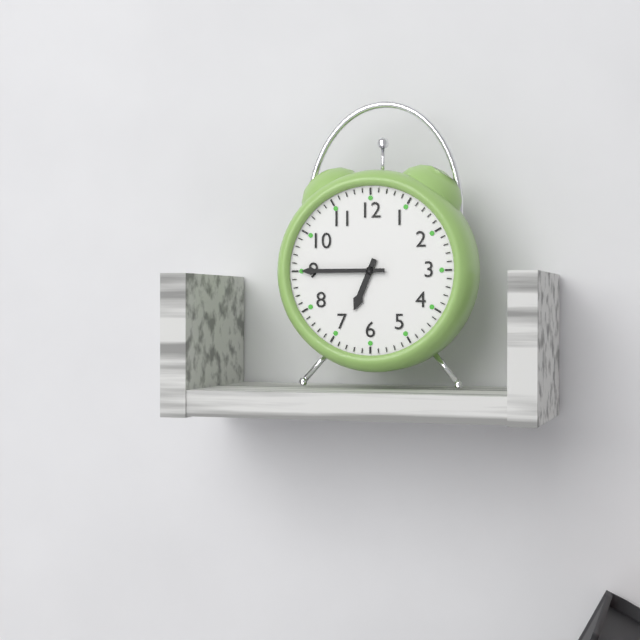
{"hour": 6, "minute": 45}
